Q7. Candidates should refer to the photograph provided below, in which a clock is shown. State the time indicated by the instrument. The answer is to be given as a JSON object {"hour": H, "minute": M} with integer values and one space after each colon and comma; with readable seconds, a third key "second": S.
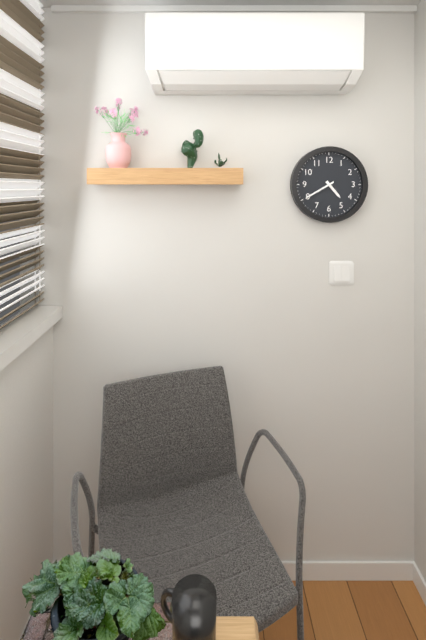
{"hour": 4, "minute": 40}
